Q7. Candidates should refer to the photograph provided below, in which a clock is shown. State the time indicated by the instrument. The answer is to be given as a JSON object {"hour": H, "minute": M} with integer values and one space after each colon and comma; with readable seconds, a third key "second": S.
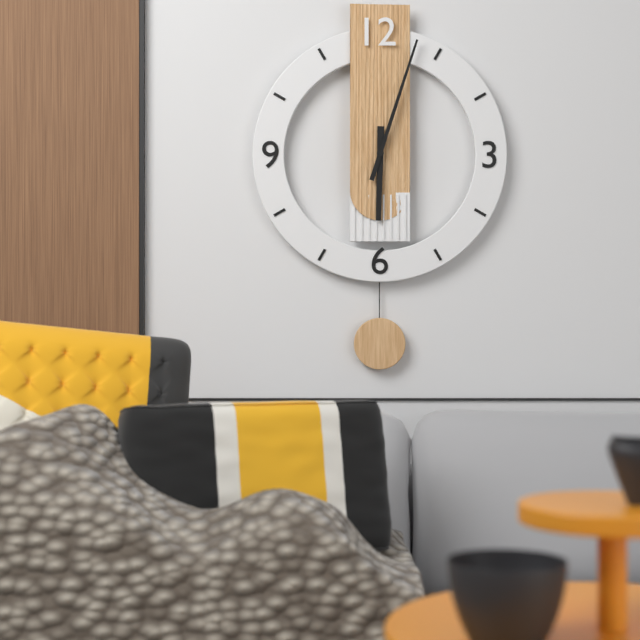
{"hour": 6, "minute": 3}
